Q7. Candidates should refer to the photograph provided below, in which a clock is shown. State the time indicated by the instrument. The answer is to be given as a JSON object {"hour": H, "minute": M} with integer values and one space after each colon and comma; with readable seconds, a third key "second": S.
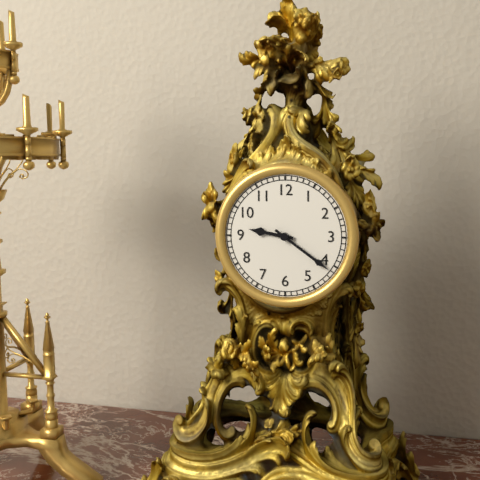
{"hour": 9, "minute": 21}
